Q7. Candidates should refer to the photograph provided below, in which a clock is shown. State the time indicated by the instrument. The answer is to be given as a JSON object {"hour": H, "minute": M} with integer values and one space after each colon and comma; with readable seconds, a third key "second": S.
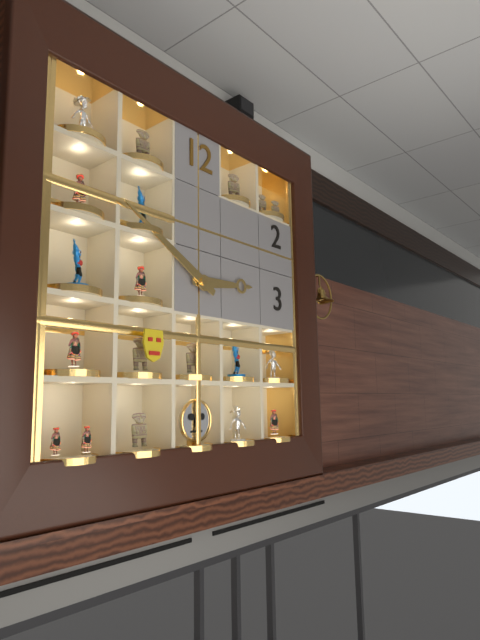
{"hour": 2, "minute": 50}
